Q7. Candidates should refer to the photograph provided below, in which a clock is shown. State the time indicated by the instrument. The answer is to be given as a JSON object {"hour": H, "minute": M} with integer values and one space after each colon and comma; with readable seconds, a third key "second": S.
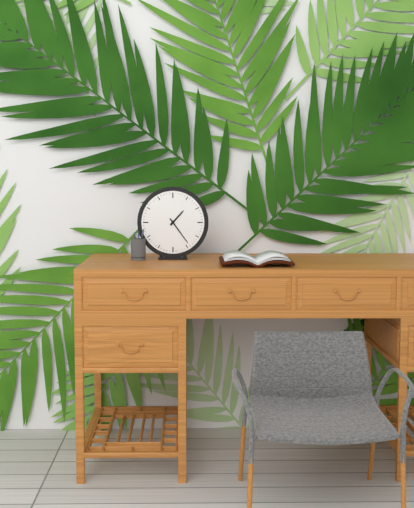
{"hour": 1, "minute": 24}
